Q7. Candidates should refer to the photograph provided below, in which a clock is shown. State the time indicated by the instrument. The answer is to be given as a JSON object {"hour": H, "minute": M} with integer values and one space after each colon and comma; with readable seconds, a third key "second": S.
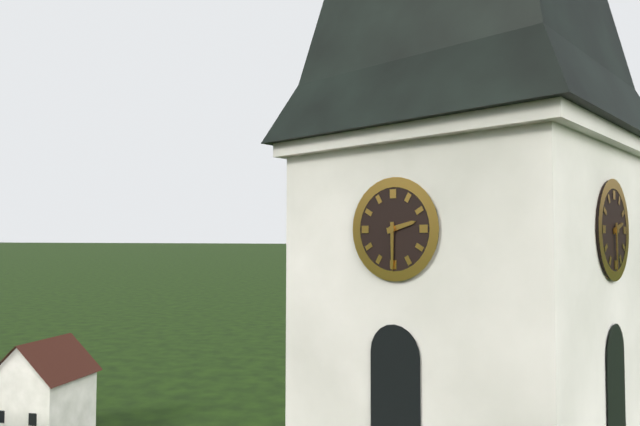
{"hour": 2, "minute": 30}
